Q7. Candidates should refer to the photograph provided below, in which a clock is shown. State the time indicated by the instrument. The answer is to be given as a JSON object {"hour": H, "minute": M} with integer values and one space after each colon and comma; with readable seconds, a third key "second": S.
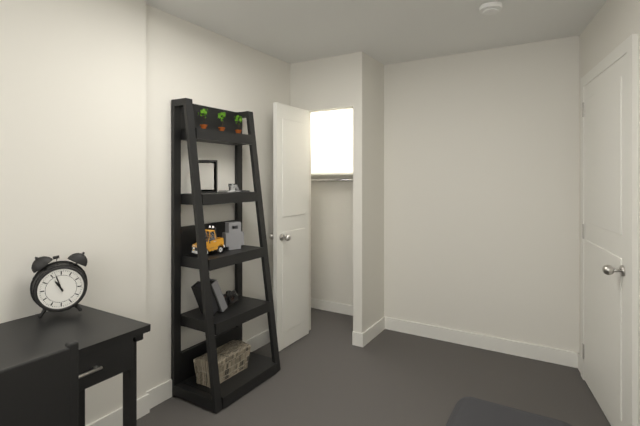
{"hour": 10, "minute": 57}
